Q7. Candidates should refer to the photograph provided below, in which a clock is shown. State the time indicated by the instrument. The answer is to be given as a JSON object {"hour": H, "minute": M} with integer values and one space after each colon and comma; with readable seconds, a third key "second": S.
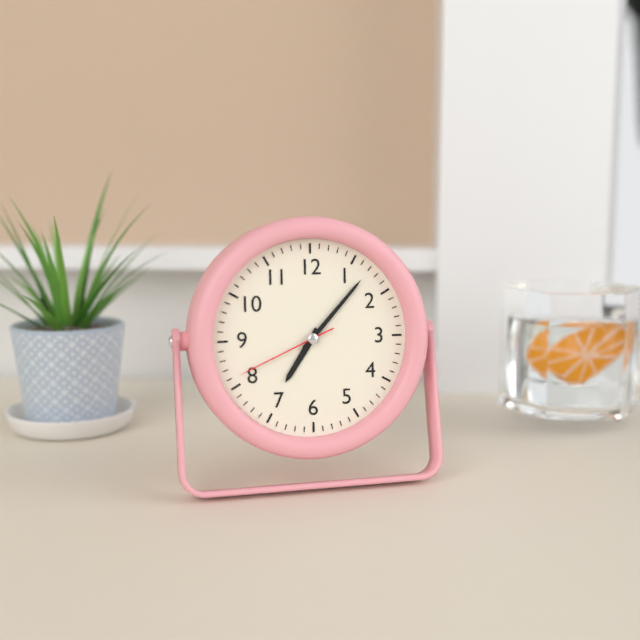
{"hour": 7, "minute": 7, "second": 41}
